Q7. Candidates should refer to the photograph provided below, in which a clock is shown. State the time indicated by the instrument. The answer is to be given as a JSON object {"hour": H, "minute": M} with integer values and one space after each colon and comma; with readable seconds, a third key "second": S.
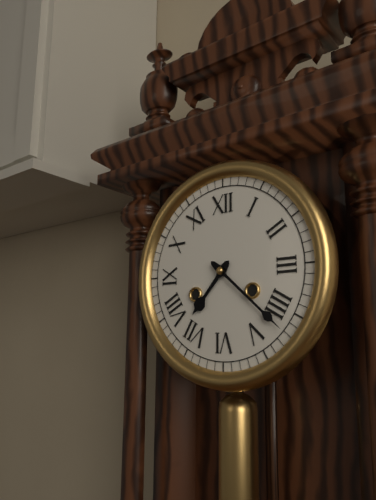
{"hour": 7, "minute": 22}
